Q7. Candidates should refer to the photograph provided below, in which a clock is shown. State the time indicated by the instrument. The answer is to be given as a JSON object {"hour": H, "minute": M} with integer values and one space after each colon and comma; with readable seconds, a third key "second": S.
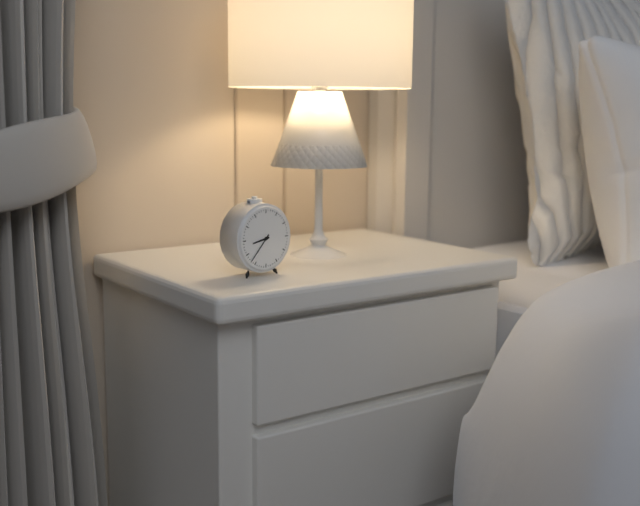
{"hour": 8, "minute": 37}
